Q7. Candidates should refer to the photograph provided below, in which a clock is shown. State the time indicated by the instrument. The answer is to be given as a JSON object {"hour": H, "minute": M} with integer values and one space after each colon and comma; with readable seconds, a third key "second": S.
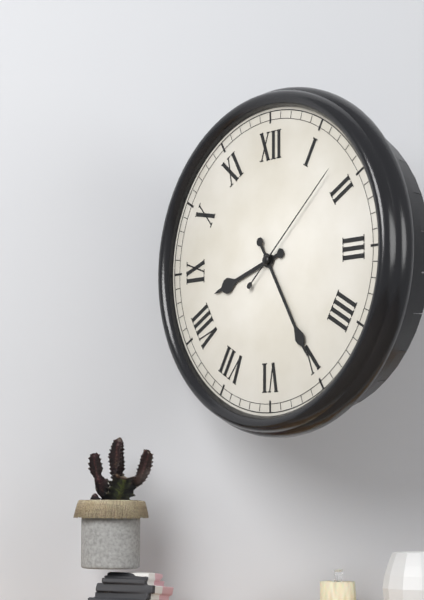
{"hour": 8, "minute": 25, "second": 8}
